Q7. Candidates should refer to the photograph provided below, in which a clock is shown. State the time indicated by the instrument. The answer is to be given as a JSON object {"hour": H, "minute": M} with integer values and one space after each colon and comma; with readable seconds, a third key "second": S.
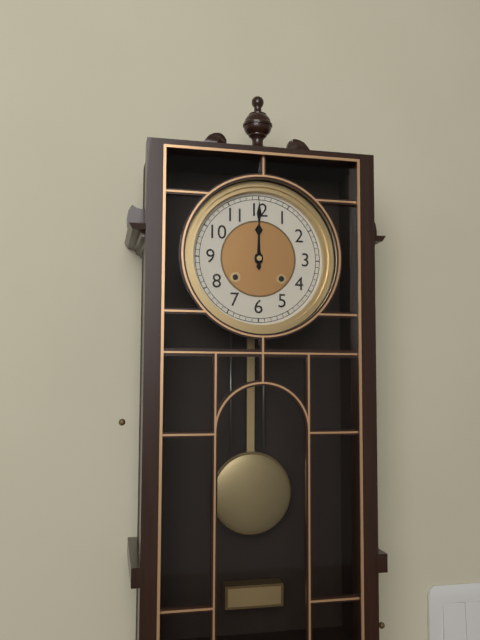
{"hour": 12, "minute": 0}
